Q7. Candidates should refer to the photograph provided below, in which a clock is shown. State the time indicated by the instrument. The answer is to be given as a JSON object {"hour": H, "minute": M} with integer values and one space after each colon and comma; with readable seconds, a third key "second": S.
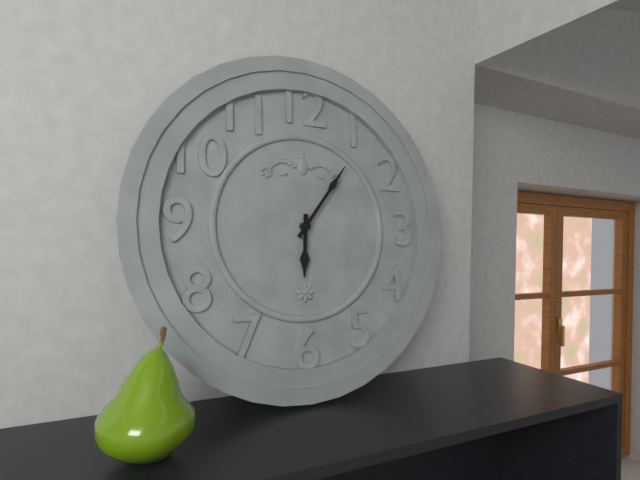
{"hour": 6, "minute": 6}
